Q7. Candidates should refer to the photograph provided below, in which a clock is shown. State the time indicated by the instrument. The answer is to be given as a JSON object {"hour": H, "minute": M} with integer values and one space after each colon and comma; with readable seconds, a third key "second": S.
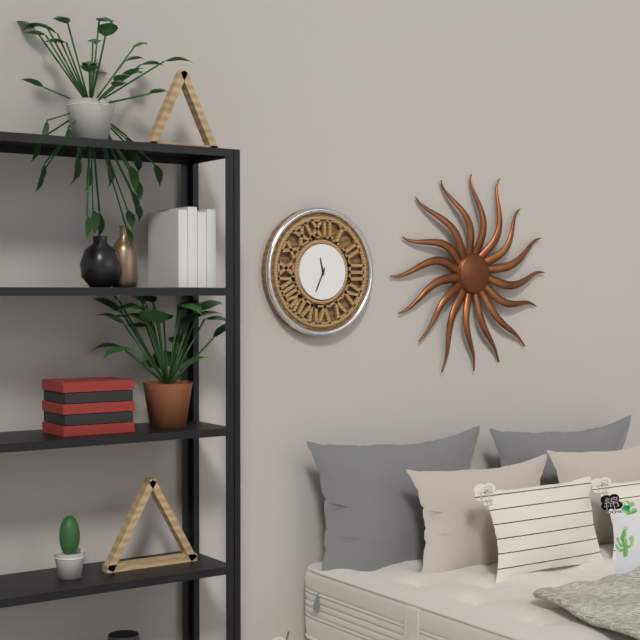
{"hour": 11, "minute": 34}
